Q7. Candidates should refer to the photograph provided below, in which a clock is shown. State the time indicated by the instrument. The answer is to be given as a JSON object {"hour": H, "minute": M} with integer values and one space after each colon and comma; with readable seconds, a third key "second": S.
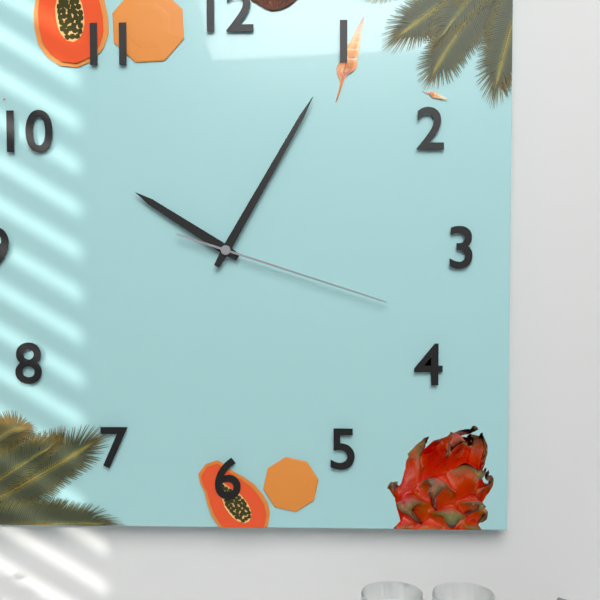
{"hour": 10, "minute": 5, "second": 18}
